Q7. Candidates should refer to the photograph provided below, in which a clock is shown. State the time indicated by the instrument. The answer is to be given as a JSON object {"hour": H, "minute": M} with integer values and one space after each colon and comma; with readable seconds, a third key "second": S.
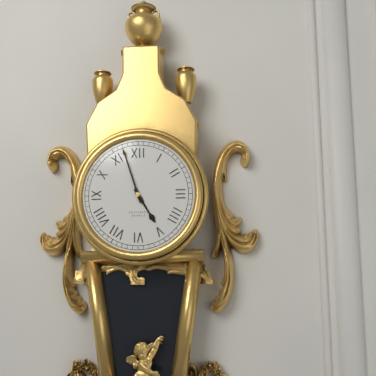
{"hour": 4, "minute": 57}
